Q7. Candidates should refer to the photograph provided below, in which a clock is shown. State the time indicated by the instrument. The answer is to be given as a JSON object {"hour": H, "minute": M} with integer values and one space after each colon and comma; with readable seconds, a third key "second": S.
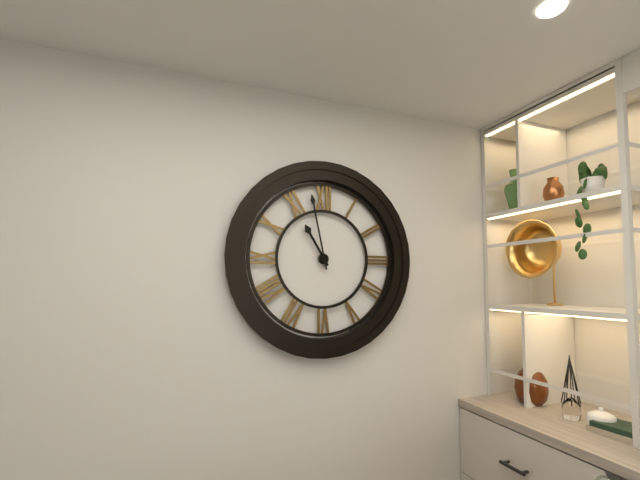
{"hour": 10, "minute": 58}
